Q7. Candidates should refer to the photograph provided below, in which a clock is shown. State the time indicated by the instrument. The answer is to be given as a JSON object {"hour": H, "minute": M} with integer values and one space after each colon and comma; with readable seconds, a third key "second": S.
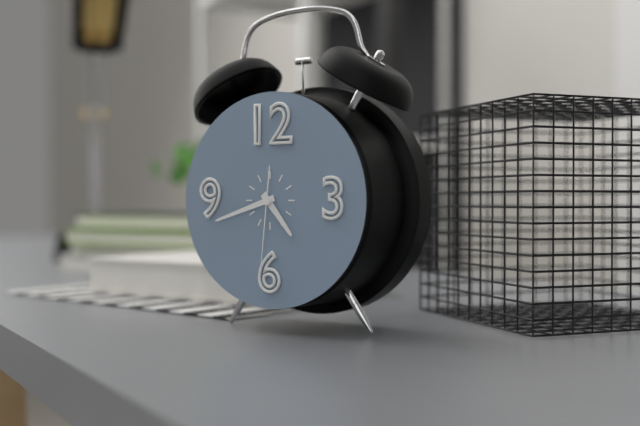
{"hour": 4, "minute": 42, "second": 31}
